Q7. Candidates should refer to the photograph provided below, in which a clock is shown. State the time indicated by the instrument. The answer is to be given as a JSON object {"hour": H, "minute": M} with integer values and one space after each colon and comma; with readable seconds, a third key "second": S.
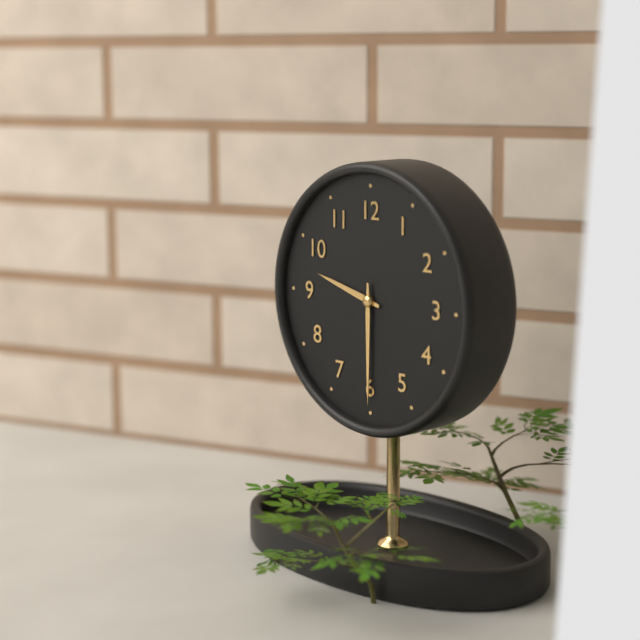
{"hour": 9, "minute": 30}
